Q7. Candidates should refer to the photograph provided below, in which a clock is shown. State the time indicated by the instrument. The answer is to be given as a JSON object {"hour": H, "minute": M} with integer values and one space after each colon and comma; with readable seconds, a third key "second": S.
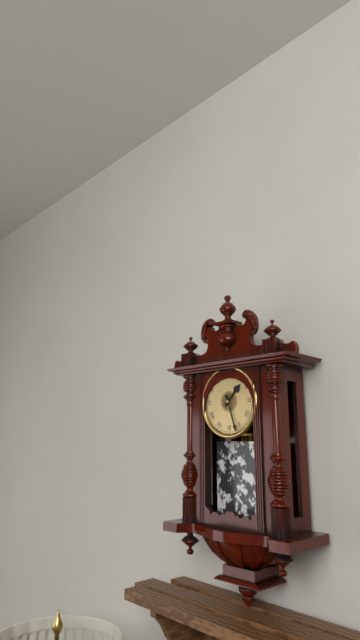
{"hour": 1, "minute": 27}
